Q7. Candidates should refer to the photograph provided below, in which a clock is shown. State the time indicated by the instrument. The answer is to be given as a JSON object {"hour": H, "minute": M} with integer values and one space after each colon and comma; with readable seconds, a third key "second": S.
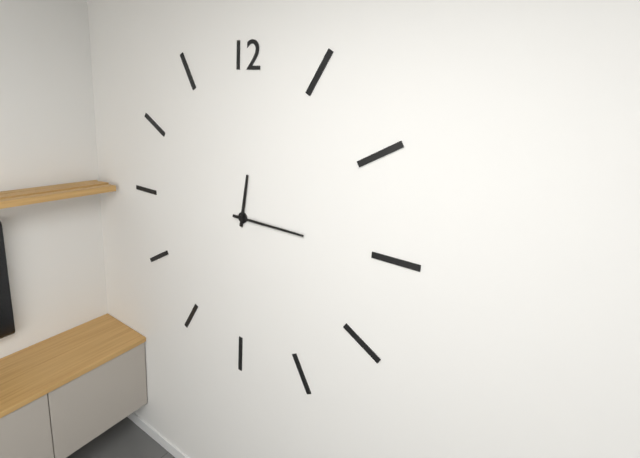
{"hour": 12, "minute": 15}
